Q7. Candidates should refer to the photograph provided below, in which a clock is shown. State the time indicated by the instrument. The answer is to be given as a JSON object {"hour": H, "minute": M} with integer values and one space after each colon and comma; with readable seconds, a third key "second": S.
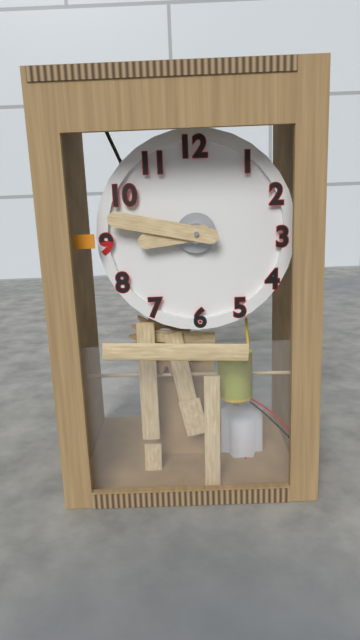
{"hour": 8, "minute": 47}
